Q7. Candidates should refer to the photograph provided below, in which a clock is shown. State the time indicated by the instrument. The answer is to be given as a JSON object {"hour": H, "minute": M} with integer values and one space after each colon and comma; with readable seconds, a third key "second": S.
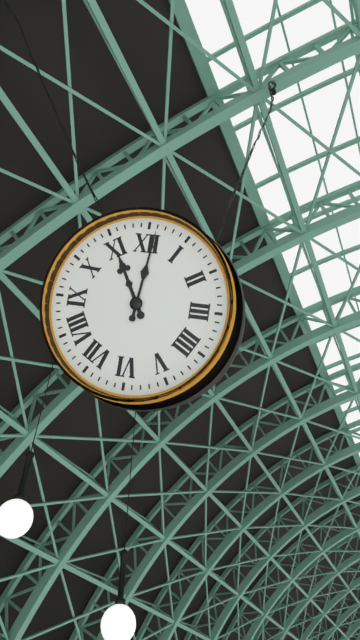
{"hour": 11, "minute": 1}
